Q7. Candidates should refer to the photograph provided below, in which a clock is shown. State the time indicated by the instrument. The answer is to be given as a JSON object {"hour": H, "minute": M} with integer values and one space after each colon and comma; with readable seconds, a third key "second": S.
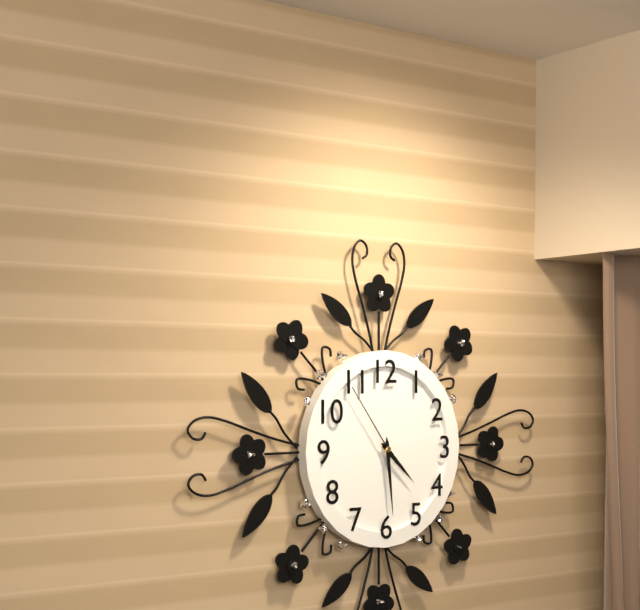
{"hour": 4, "minute": 29, "second": 54}
